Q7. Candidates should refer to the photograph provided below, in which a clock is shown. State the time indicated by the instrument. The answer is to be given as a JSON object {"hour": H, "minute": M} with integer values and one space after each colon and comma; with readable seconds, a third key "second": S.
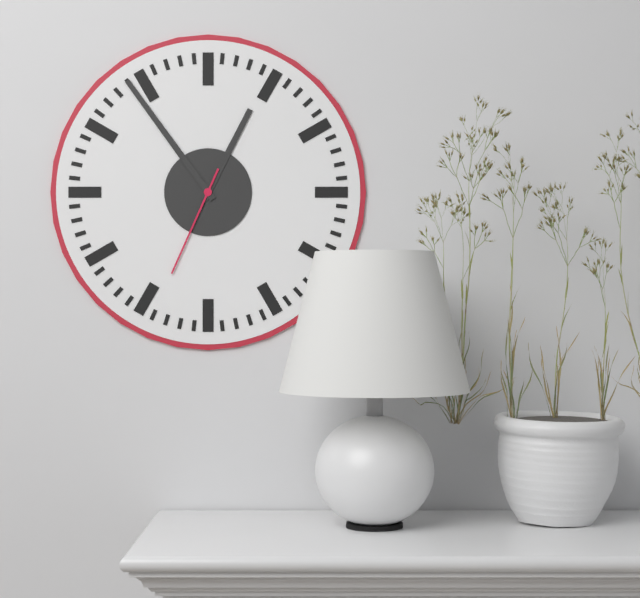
{"hour": 12, "minute": 54, "second": 34}
